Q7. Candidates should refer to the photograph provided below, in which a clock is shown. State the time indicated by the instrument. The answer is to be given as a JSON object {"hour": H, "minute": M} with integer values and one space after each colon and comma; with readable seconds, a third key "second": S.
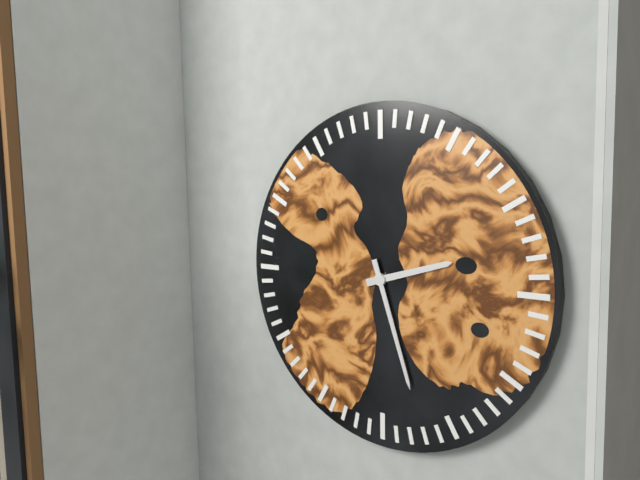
{"hour": 2, "minute": 27}
